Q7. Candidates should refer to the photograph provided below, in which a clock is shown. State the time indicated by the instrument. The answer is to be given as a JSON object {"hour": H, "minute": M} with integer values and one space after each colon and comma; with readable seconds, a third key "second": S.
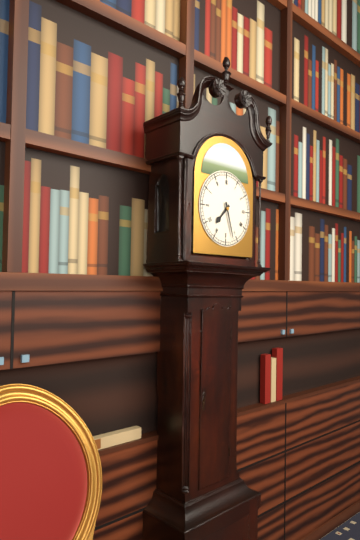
{"hour": 7, "minute": 27}
